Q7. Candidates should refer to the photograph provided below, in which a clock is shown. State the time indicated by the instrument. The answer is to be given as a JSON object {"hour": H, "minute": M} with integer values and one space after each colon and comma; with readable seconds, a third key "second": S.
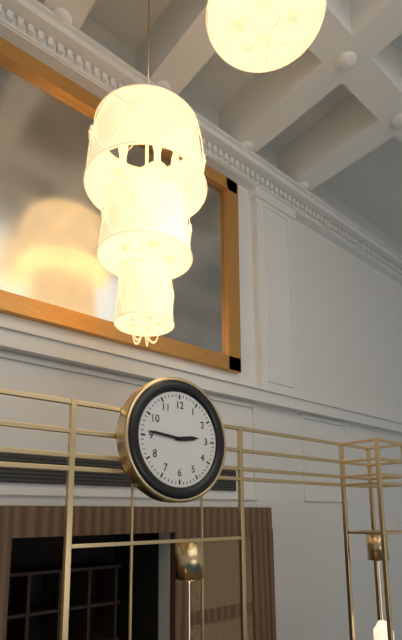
{"hour": 2, "minute": 46}
